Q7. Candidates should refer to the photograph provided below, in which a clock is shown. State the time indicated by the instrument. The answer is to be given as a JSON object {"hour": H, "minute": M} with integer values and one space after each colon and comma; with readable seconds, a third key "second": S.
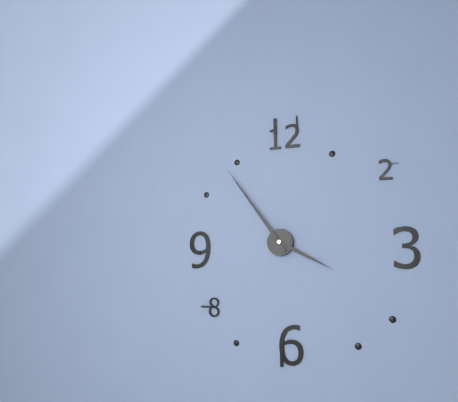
{"hour": 3, "minute": 54}
